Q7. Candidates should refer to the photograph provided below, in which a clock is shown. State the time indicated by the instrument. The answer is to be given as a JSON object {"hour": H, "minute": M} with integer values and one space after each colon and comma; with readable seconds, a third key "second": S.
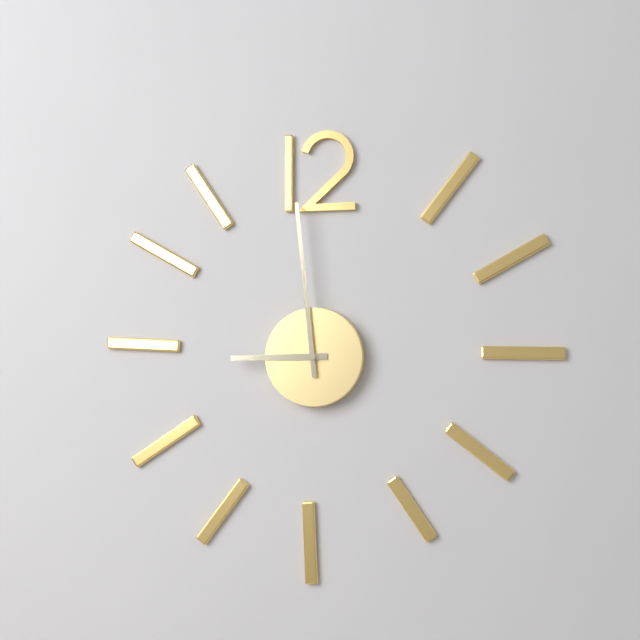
{"hour": 8, "minute": 59}
